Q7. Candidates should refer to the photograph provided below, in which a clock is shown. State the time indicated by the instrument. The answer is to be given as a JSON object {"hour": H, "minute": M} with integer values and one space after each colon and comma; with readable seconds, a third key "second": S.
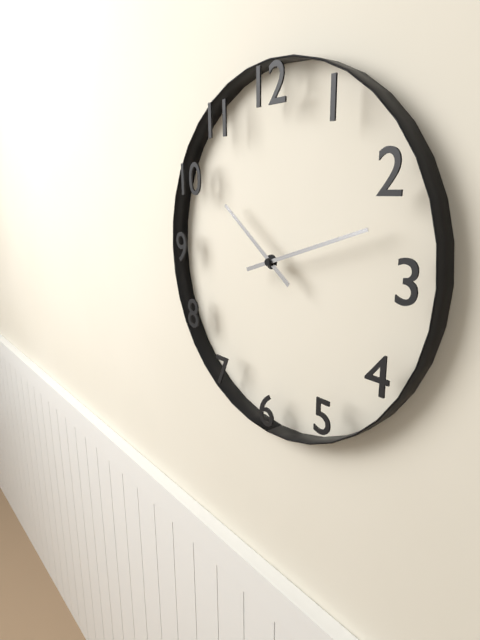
{"hour": 10, "minute": 12}
